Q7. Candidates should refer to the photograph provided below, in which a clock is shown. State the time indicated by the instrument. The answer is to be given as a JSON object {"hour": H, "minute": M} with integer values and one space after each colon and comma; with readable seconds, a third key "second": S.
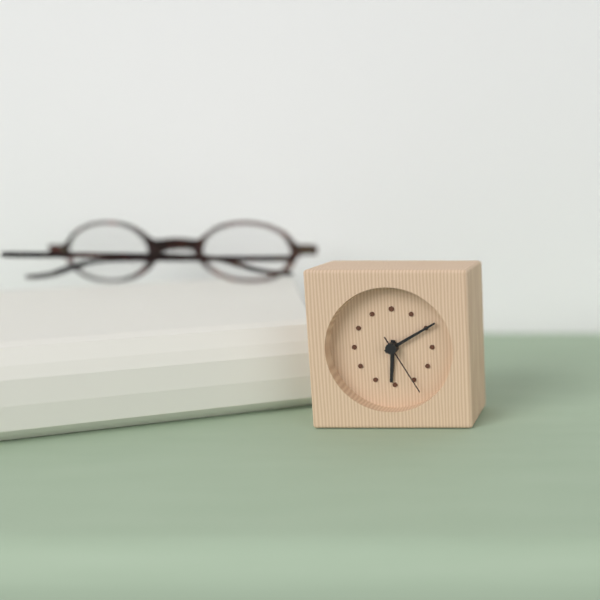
{"hour": 6, "minute": 10, "second": 25}
